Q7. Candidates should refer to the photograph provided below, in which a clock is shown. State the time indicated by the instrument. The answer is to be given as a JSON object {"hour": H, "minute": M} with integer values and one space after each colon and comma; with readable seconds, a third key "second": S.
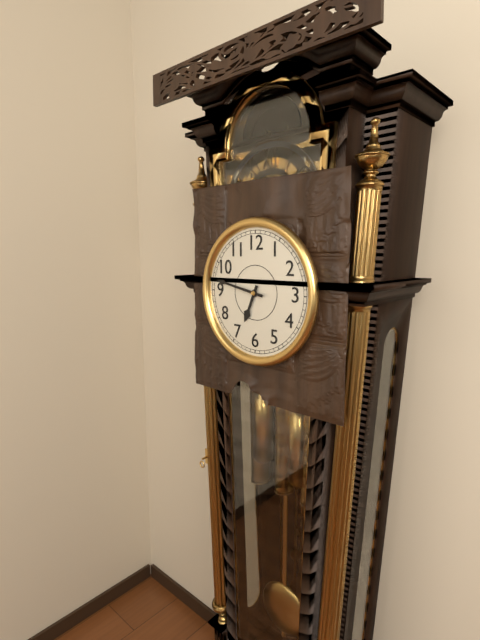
{"hour": 6, "minute": 47}
